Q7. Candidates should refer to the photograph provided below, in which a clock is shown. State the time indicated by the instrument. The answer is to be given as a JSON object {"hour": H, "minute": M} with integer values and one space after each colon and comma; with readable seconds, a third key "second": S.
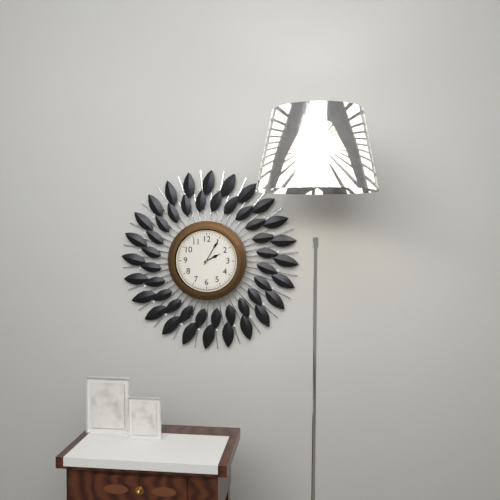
{"hour": 2, "minute": 5}
